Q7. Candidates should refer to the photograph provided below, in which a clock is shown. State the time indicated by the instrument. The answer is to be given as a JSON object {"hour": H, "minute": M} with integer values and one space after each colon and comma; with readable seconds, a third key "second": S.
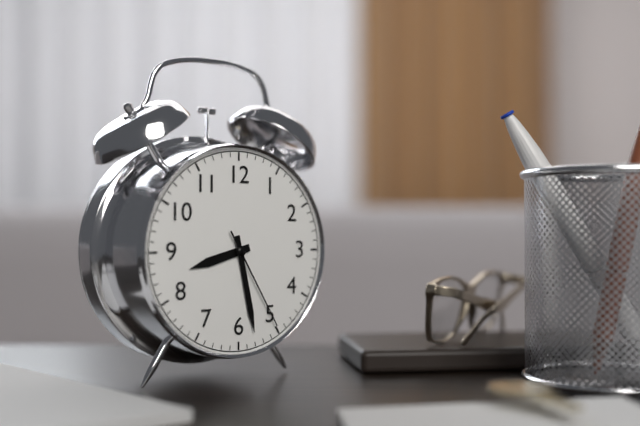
{"hour": 8, "minute": 28, "second": 25}
